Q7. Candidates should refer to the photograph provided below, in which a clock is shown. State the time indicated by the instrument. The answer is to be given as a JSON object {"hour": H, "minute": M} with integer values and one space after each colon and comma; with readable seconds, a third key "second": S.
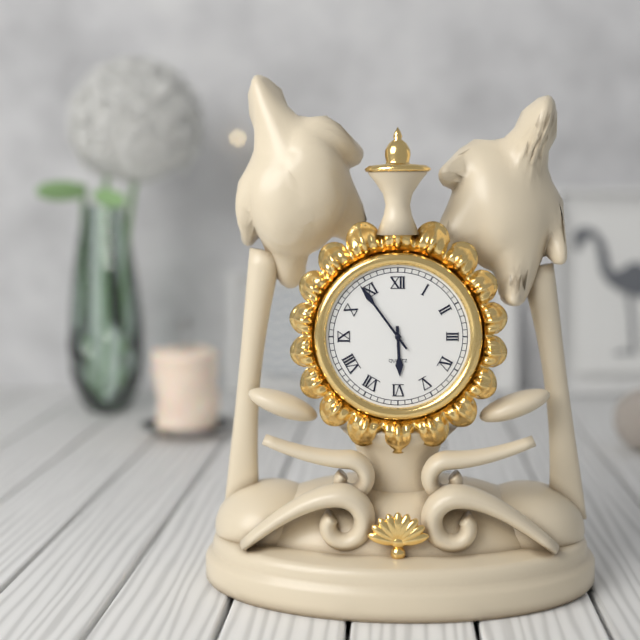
{"hour": 5, "minute": 54}
